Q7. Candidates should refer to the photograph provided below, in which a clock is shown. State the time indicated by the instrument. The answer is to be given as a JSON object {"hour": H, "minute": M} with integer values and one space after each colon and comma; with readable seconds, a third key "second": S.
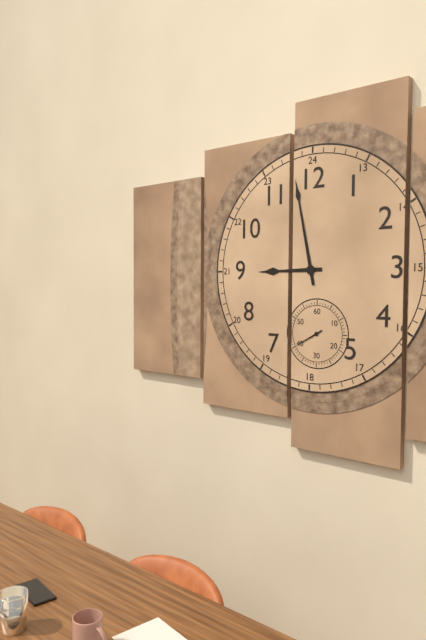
{"hour": 8, "minute": 58}
